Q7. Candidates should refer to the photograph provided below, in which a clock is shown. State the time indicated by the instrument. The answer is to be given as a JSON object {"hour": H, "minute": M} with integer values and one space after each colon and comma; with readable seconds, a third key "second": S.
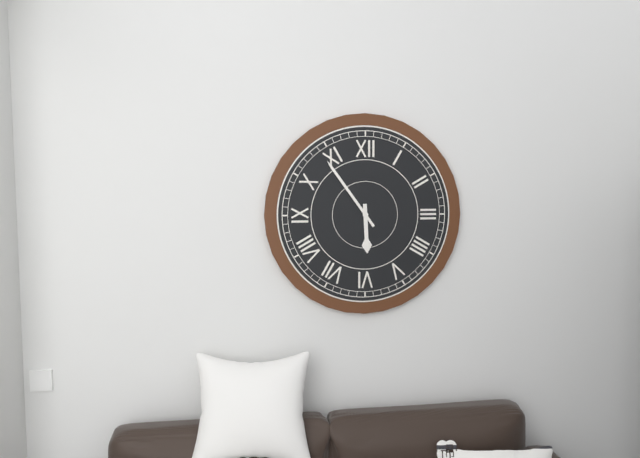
{"hour": 5, "minute": 54}
